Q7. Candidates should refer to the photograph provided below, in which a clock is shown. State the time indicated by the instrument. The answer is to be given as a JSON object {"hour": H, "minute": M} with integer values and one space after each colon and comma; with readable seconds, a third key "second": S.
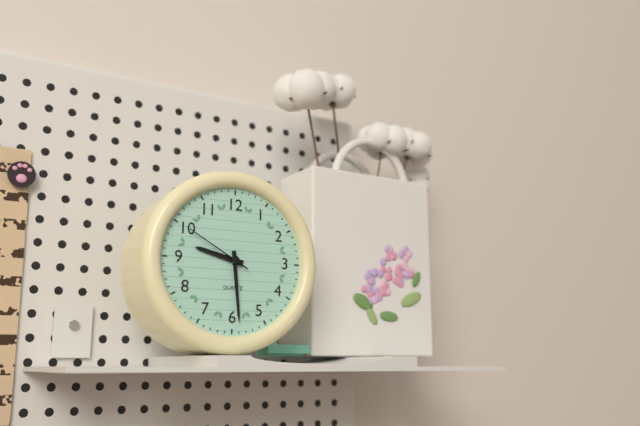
{"hour": 9, "minute": 29, "second": 50}
